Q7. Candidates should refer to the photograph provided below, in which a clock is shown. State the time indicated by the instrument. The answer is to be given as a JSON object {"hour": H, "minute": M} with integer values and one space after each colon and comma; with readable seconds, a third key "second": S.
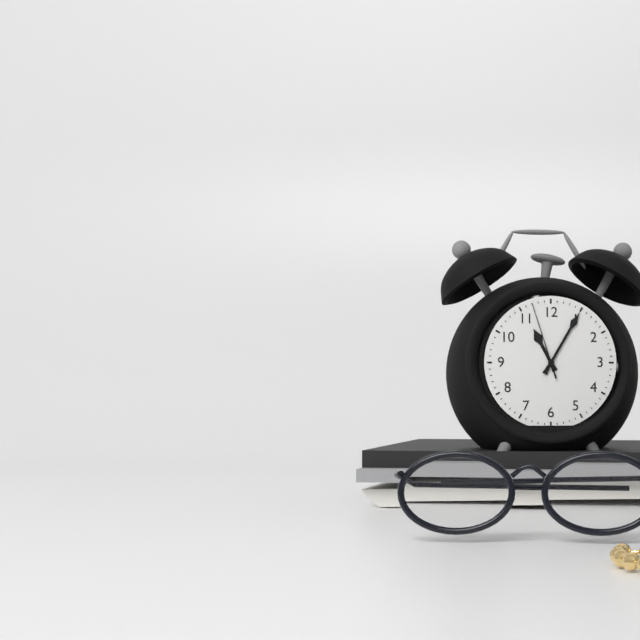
{"hour": 11, "minute": 5, "second": 57}
